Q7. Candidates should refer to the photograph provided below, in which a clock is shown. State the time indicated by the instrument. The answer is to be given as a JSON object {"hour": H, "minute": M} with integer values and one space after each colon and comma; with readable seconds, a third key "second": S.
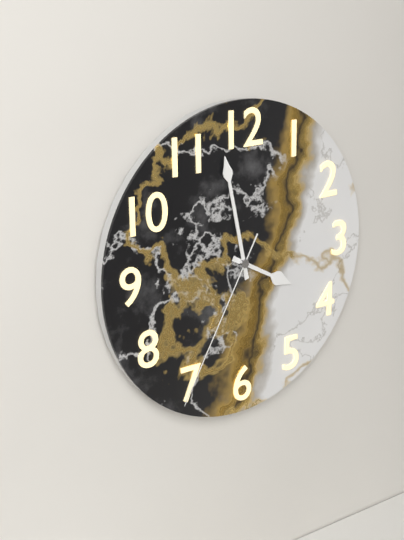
{"hour": 3, "minute": 58, "second": 35}
